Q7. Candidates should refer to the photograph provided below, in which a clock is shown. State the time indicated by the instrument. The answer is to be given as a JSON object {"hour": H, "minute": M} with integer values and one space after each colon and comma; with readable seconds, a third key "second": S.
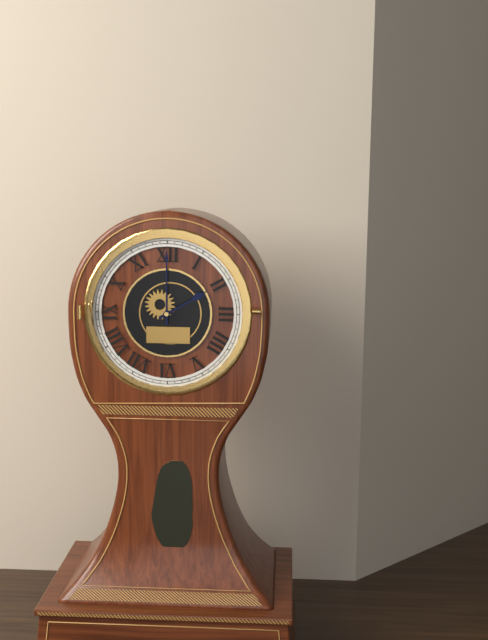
{"hour": 2, "minute": 0}
